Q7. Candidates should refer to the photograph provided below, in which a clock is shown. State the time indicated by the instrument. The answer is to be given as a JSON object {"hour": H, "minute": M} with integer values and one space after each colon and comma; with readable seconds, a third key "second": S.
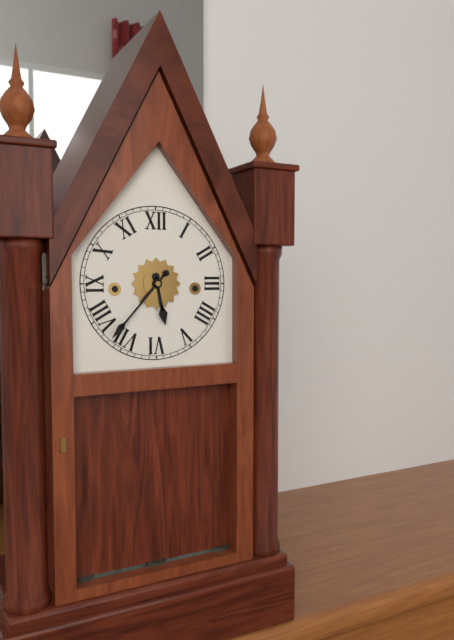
{"hour": 5, "minute": 37}
